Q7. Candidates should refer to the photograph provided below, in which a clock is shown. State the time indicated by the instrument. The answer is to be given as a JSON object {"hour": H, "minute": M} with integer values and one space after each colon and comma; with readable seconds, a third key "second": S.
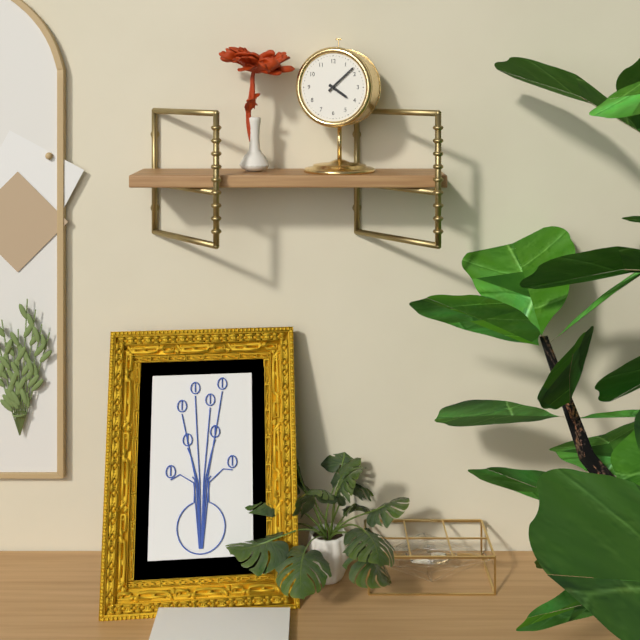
{"hour": 4, "minute": 8}
